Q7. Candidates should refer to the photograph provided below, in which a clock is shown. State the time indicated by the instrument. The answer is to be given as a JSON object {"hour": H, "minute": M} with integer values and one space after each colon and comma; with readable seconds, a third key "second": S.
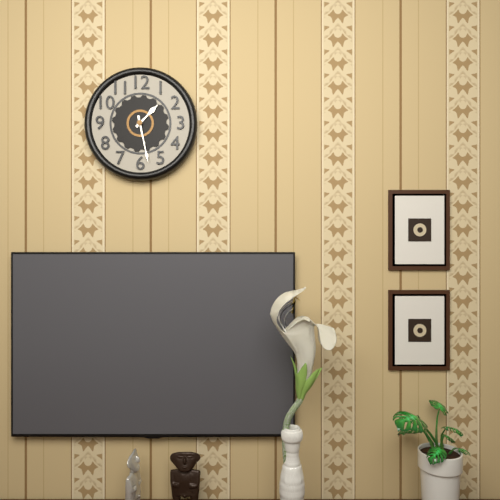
{"hour": 1, "minute": 28}
